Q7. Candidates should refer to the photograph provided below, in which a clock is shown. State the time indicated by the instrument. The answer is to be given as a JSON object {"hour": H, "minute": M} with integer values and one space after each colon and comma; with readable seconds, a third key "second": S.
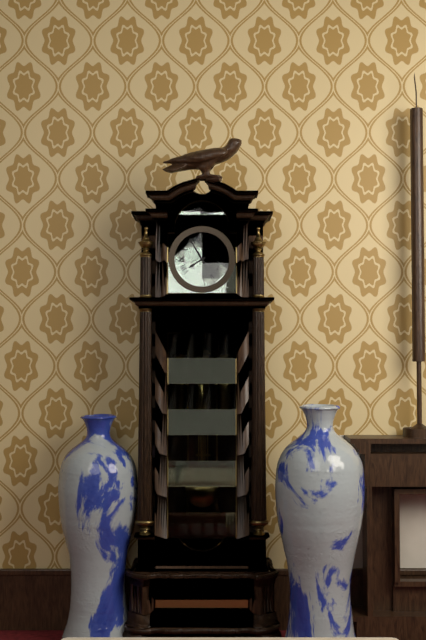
{"hour": 7, "minute": 55}
